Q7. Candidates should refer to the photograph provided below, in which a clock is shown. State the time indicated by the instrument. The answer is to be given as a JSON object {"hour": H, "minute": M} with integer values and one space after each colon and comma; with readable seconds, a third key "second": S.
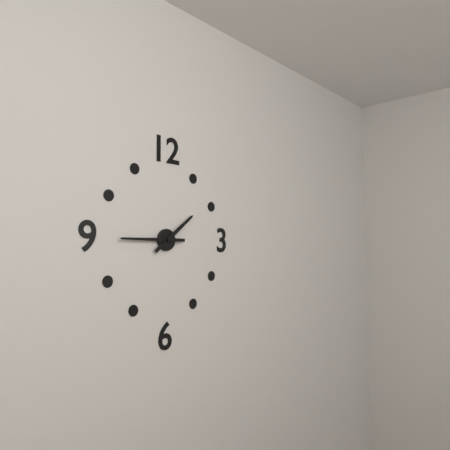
{"hour": 1, "minute": 45}
